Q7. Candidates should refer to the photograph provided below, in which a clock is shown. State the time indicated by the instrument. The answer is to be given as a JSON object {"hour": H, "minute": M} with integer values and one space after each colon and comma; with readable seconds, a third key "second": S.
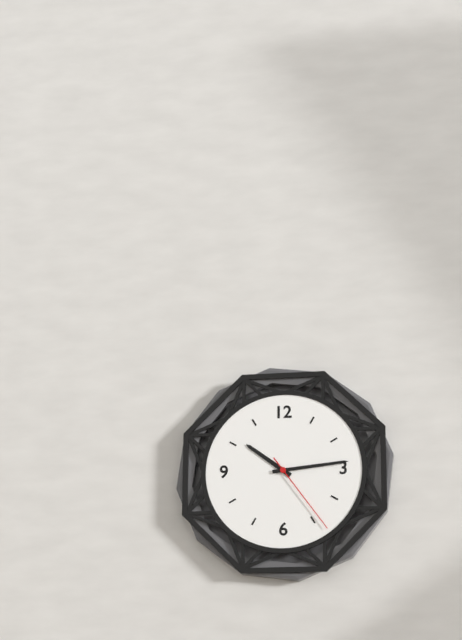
{"hour": 10, "minute": 14, "second": 24}
